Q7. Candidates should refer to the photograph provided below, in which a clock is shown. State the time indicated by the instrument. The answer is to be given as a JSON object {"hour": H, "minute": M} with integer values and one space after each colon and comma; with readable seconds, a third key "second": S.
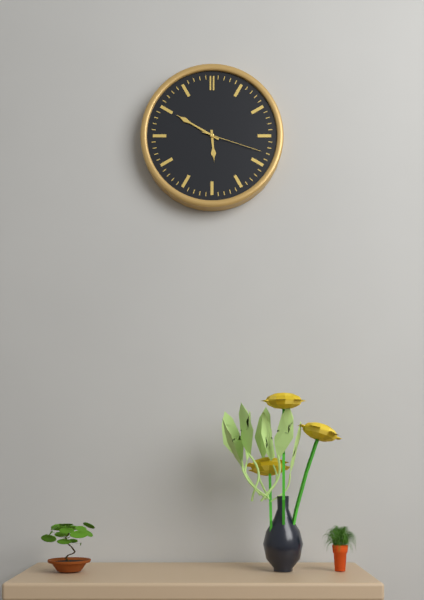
{"hour": 5, "minute": 50, "second": 18}
